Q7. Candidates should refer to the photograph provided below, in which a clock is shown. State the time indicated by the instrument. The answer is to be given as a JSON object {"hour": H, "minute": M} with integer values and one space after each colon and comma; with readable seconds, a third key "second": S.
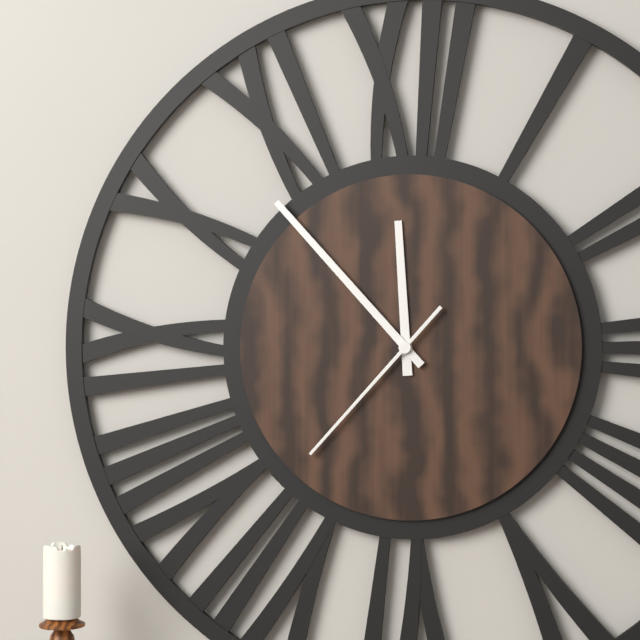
{"hour": 11, "minute": 53, "second": 37}
